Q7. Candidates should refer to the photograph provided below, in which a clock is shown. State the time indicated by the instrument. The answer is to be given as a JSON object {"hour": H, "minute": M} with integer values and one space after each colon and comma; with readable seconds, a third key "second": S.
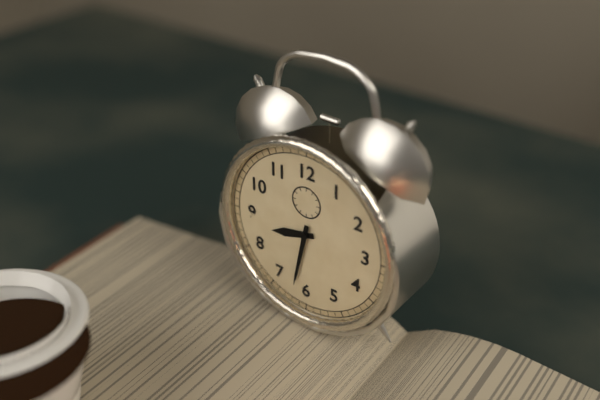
{"hour": 8, "minute": 32}
